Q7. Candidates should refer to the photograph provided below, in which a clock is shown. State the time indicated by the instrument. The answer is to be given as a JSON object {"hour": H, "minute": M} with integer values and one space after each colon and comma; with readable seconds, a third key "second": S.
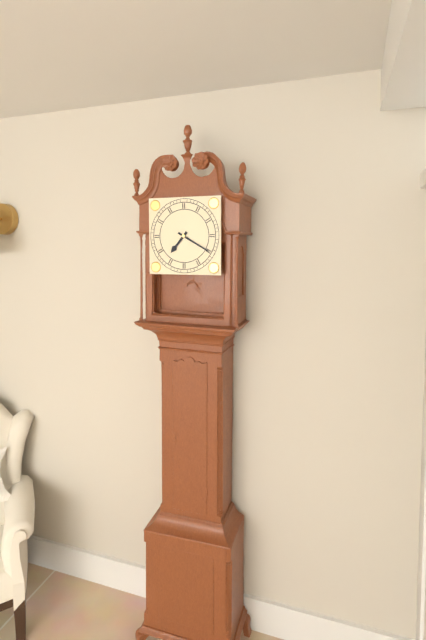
{"hour": 7, "minute": 20}
